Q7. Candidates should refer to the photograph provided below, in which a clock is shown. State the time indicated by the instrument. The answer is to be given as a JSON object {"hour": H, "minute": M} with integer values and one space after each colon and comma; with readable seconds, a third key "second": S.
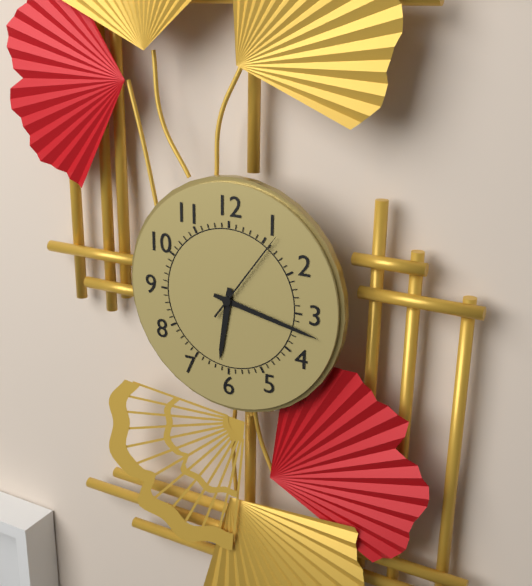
{"hour": 6, "minute": 17, "second": 6}
